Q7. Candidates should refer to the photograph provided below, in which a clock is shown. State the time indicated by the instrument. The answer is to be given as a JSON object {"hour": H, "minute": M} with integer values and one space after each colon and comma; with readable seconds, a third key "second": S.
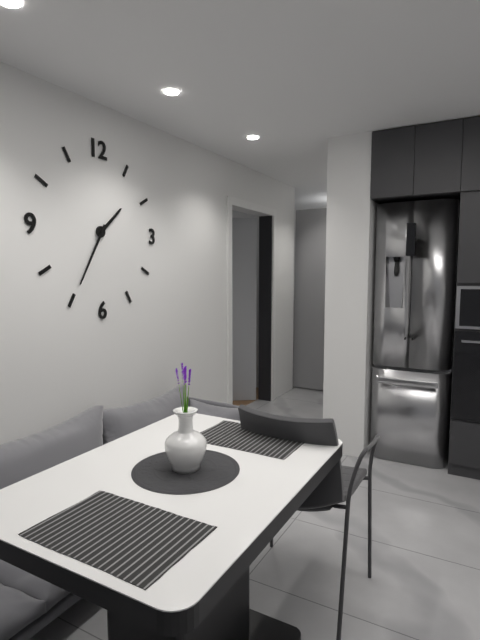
{"hour": 1, "minute": 35}
